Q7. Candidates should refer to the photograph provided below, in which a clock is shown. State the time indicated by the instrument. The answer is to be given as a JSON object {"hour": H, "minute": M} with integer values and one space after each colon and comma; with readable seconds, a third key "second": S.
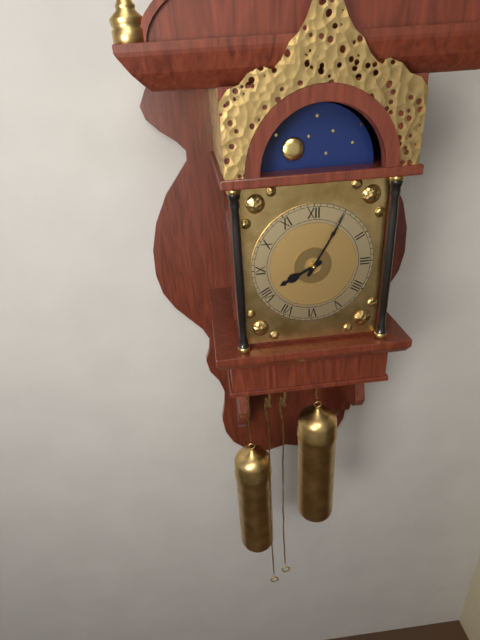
{"hour": 8, "minute": 5}
